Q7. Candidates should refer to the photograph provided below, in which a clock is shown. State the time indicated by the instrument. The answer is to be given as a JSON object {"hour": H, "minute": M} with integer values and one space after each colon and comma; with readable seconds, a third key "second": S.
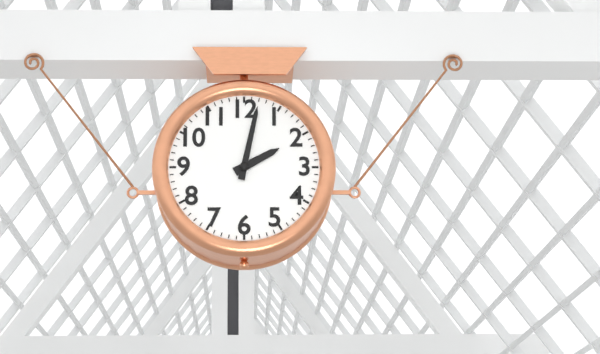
{"hour": 2, "minute": 2}
